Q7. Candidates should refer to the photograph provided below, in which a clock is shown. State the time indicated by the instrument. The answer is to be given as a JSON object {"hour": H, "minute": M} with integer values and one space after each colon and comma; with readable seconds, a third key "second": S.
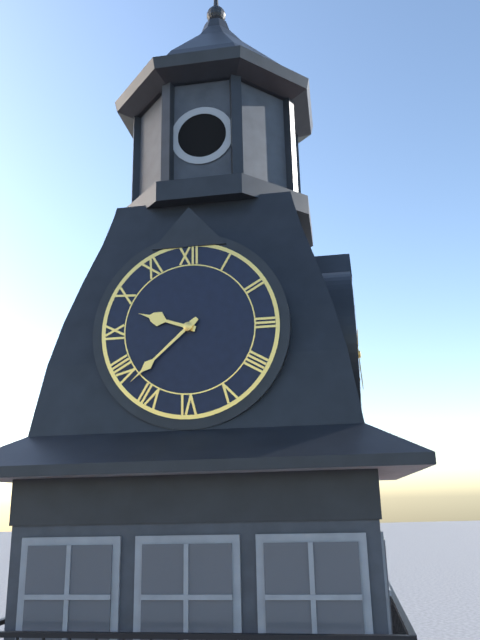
{"hour": 9, "minute": 38}
